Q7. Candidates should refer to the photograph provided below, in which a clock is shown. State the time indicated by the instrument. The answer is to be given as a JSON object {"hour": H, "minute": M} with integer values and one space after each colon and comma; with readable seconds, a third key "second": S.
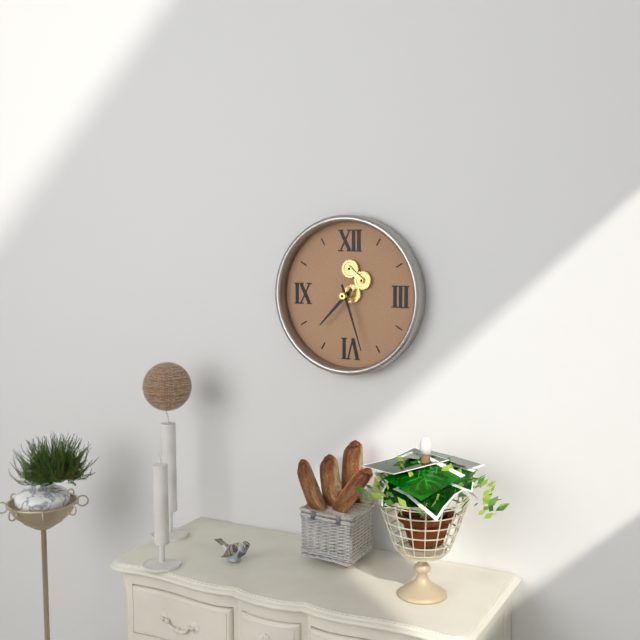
{"hour": 7, "minute": 27}
